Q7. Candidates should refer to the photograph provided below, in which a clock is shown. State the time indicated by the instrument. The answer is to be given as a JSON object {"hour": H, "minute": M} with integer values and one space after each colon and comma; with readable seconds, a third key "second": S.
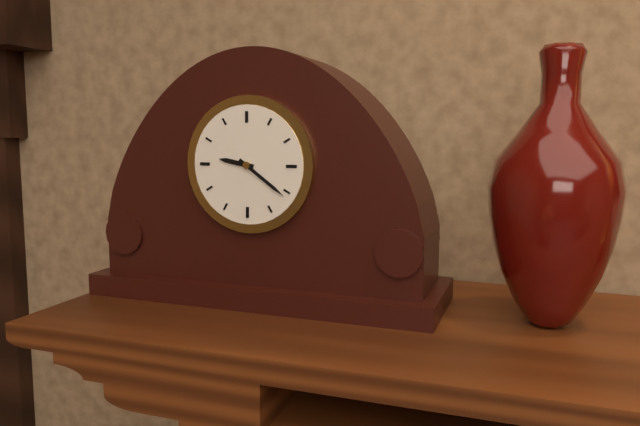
{"hour": 9, "minute": 21}
